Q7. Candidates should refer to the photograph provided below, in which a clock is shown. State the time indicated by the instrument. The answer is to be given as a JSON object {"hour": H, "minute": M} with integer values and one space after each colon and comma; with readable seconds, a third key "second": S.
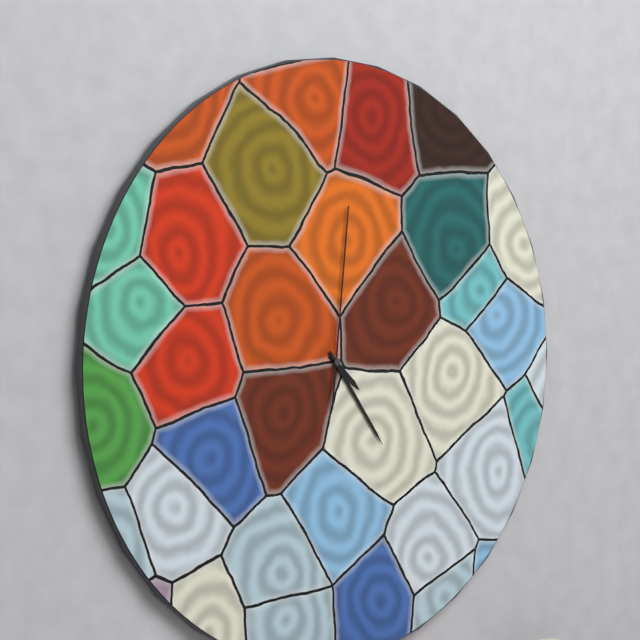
{"hour": 4, "minute": 24, "second": 1}
